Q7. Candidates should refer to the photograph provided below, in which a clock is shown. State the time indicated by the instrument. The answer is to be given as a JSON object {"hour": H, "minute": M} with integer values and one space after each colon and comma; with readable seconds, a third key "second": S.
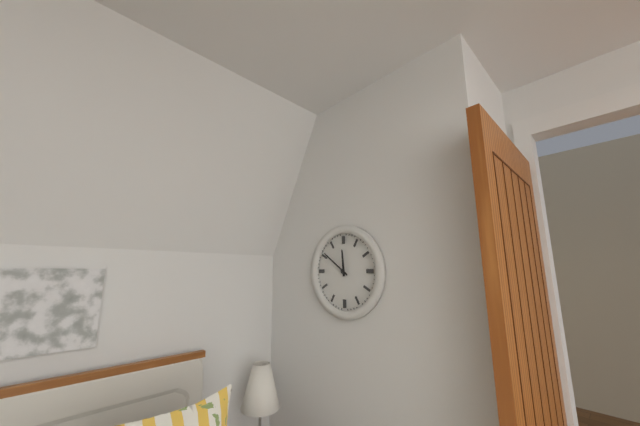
{"hour": 11, "minute": 51}
